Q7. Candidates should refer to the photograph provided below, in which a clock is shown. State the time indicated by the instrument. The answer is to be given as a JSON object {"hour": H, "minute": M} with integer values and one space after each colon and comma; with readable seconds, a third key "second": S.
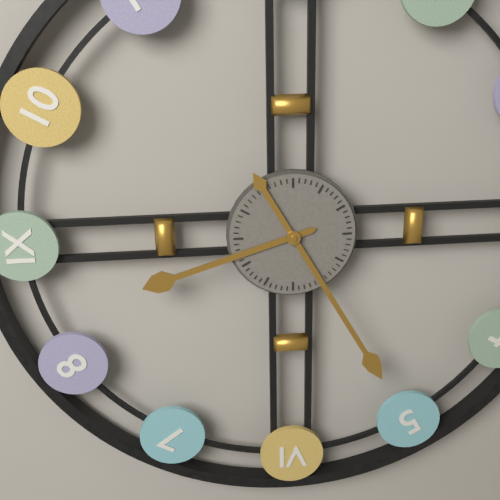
{"hour": 8, "minute": 25}
